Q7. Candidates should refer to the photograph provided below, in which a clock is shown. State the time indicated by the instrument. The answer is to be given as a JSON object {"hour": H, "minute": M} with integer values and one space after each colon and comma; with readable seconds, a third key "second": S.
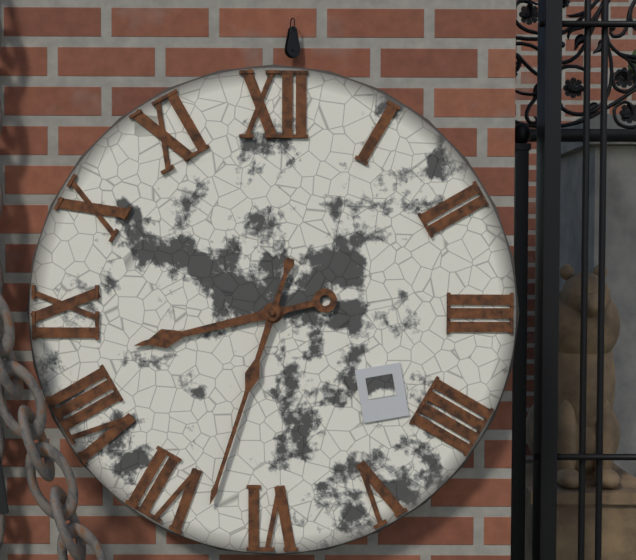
{"hour": 8, "minute": 33}
